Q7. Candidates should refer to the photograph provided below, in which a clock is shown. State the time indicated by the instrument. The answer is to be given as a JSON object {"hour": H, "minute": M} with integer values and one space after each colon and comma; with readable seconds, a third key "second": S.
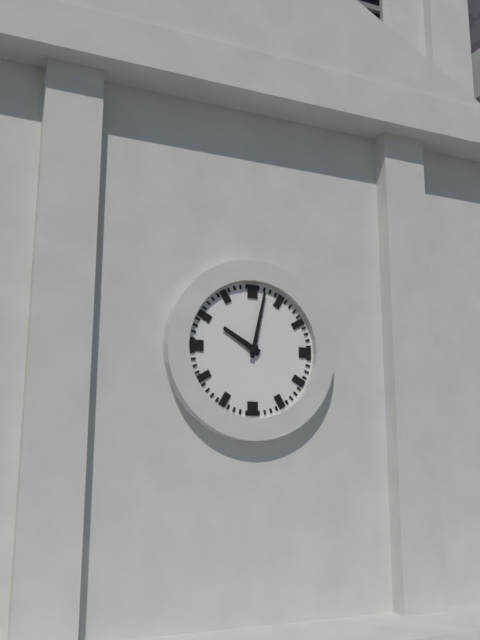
{"hour": 10, "minute": 2}
